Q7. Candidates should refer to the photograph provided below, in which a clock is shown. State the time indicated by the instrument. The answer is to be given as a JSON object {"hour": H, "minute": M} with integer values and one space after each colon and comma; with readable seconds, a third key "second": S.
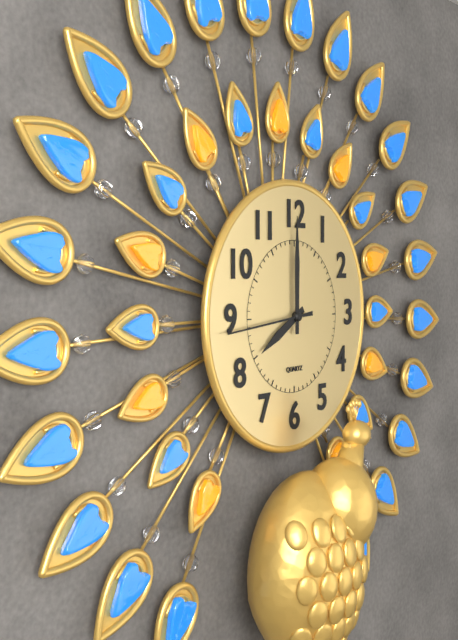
{"hour": 8, "minute": 0, "second": 44}
